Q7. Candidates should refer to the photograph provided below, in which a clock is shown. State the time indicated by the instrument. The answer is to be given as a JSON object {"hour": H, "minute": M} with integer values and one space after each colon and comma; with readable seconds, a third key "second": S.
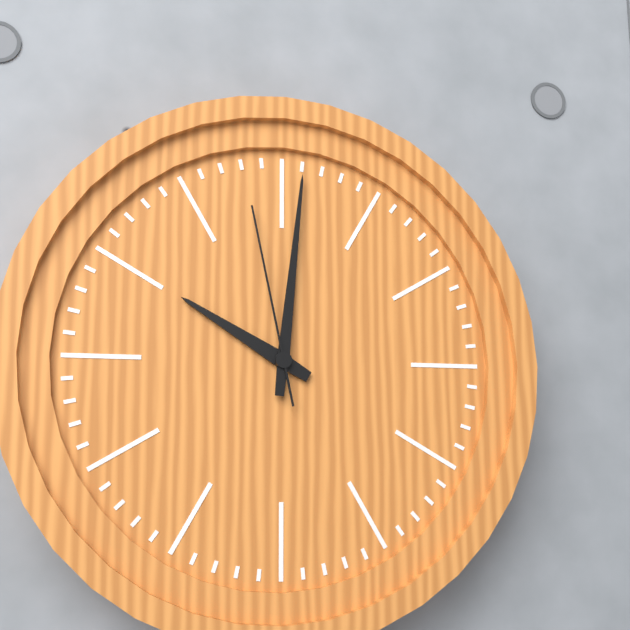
{"hour": 10, "minute": 1, "second": 58}
